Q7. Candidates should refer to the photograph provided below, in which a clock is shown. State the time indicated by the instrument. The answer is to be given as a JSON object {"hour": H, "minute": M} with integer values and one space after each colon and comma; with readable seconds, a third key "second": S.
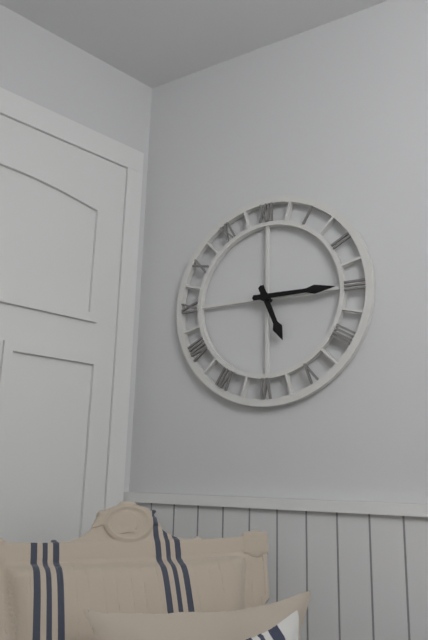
{"hour": 5, "minute": 15}
